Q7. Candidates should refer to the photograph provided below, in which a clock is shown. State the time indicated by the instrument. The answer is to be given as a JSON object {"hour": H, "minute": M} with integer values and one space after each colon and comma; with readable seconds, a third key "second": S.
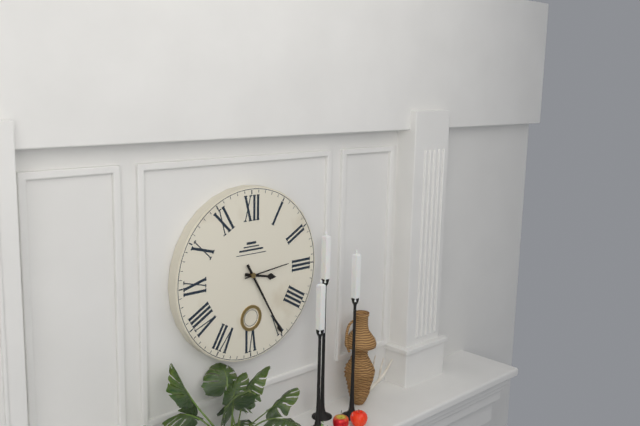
{"hour": 3, "minute": 25}
